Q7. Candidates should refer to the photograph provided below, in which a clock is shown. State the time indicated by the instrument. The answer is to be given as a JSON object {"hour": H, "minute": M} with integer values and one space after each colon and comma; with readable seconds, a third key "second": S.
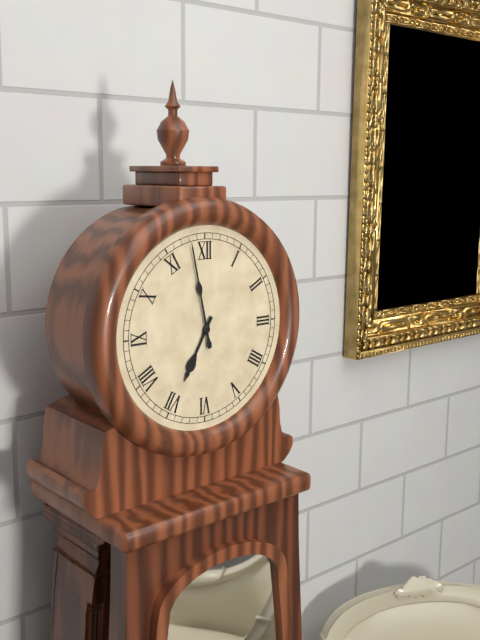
{"hour": 6, "minute": 58}
